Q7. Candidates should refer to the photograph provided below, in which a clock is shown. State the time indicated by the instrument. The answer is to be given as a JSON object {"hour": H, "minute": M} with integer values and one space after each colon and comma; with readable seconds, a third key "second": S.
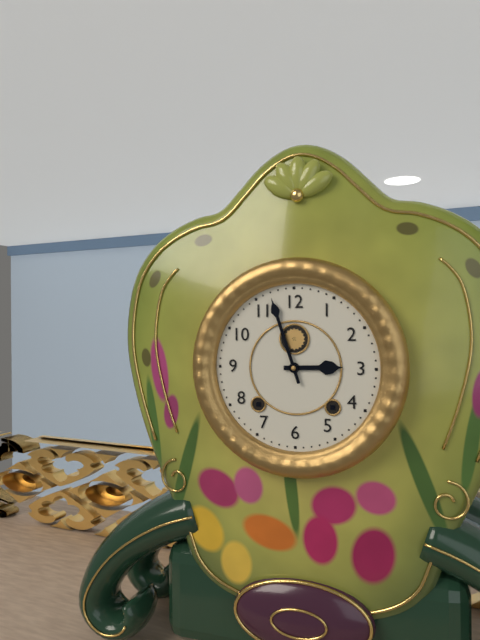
{"hour": 2, "minute": 57}
